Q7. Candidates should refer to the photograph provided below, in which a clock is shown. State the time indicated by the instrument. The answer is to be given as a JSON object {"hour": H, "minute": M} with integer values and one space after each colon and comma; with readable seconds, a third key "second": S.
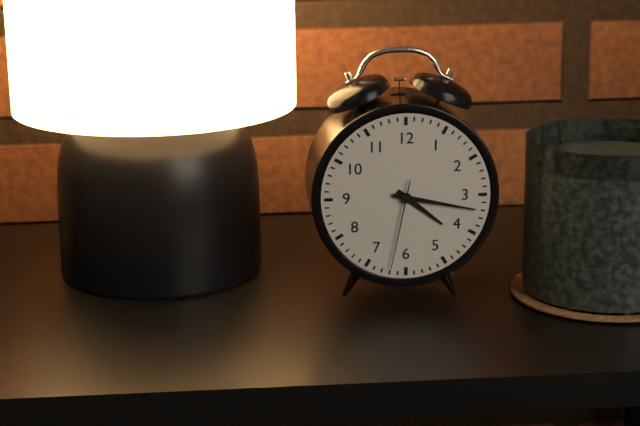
{"hour": 4, "minute": 17, "second": 32}
